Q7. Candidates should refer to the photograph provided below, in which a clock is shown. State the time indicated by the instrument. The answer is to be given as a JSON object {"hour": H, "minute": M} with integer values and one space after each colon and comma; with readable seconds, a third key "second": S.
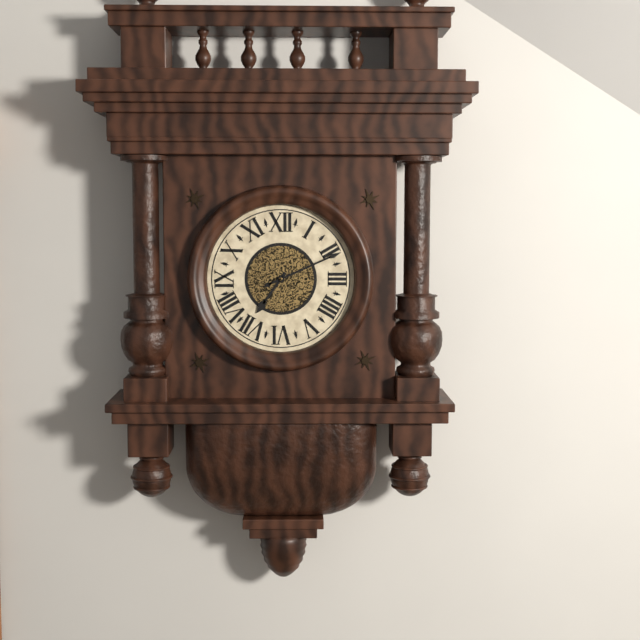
{"hour": 7, "minute": 11}
